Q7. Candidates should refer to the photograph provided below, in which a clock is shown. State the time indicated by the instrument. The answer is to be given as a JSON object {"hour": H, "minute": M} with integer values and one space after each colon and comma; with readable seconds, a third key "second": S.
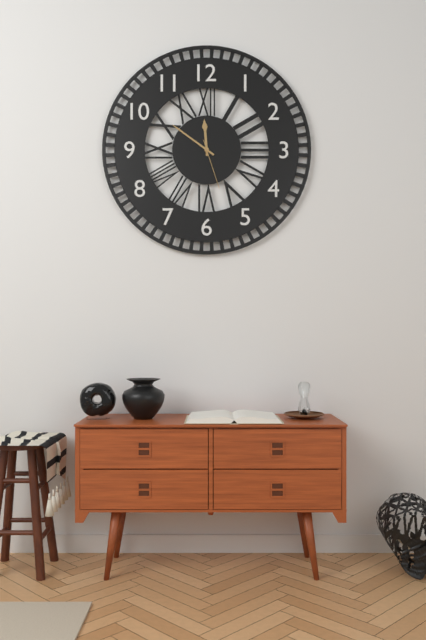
{"hour": 11, "minute": 51}
